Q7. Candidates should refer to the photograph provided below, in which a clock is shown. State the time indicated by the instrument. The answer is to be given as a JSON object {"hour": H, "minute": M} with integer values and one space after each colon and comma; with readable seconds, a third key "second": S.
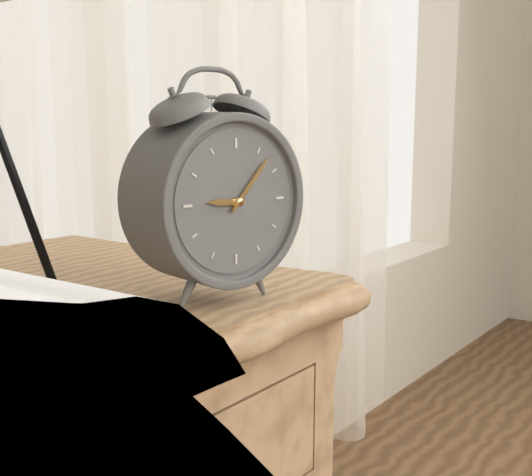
{"hour": 9, "minute": 7}
